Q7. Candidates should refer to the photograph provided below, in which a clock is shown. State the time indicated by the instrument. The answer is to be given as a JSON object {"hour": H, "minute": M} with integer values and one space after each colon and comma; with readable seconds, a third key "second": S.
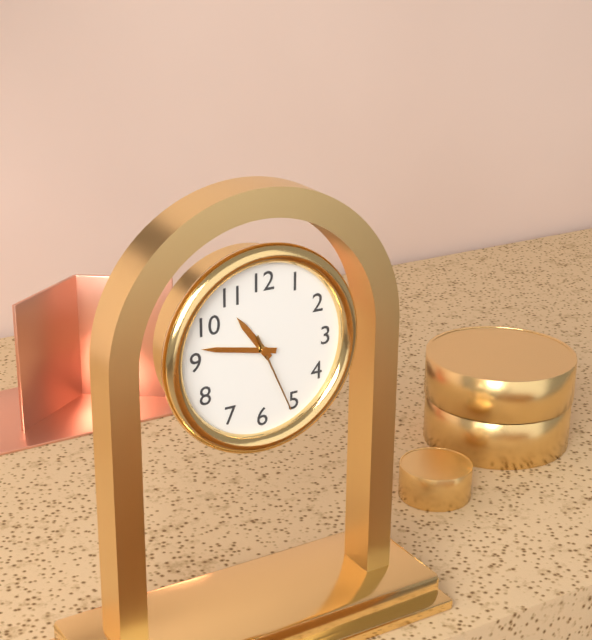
{"hour": 10, "minute": 47, "second": 26}
